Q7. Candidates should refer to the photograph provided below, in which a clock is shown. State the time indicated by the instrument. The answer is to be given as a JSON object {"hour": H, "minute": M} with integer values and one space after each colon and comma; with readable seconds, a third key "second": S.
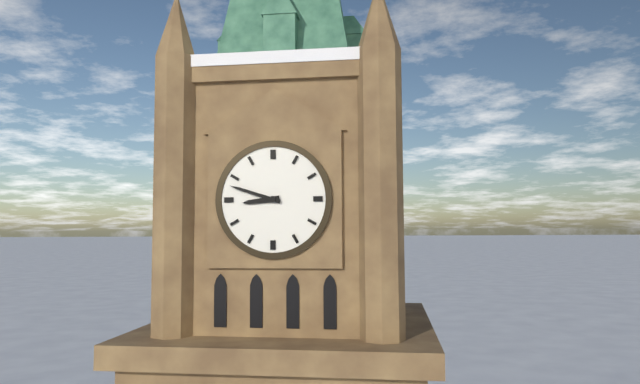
{"hour": 8, "minute": 48}
